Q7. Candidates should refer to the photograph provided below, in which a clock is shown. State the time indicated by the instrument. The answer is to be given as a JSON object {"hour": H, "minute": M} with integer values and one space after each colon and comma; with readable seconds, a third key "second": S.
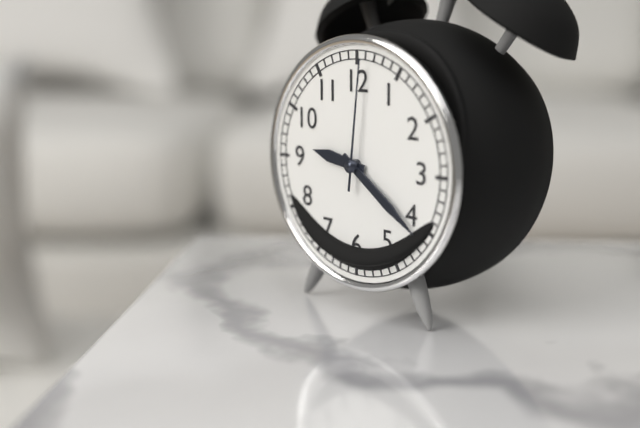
{"hour": 9, "minute": 21, "second": 1}
